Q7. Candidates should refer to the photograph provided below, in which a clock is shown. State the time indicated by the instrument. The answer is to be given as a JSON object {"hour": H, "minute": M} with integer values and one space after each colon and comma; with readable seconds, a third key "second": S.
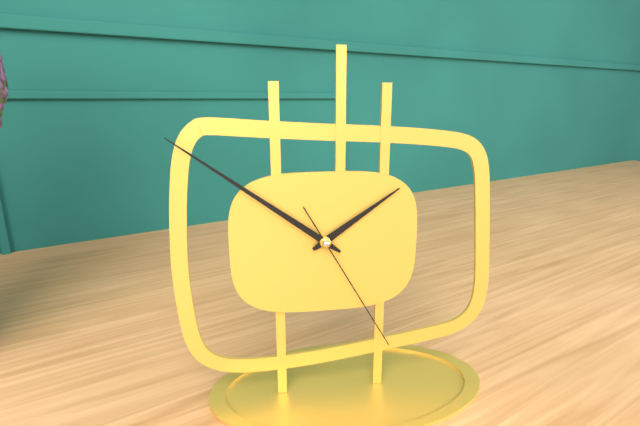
{"hour": 1, "minute": 51, "second": 25}
